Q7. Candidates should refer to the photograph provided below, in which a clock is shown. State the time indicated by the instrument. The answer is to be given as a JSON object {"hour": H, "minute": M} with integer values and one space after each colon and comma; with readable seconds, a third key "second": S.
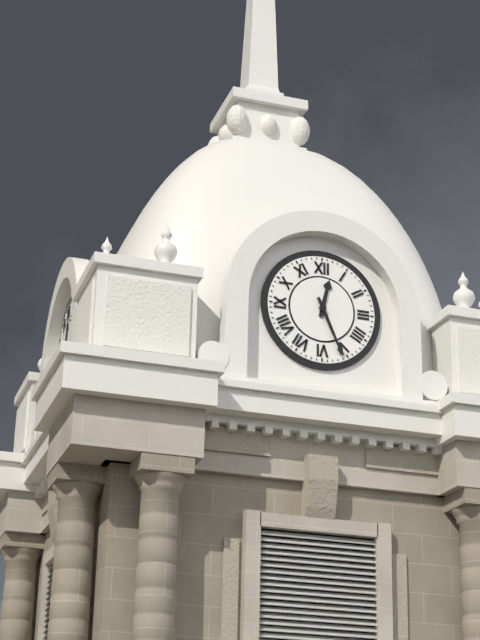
{"hour": 12, "minute": 26}
